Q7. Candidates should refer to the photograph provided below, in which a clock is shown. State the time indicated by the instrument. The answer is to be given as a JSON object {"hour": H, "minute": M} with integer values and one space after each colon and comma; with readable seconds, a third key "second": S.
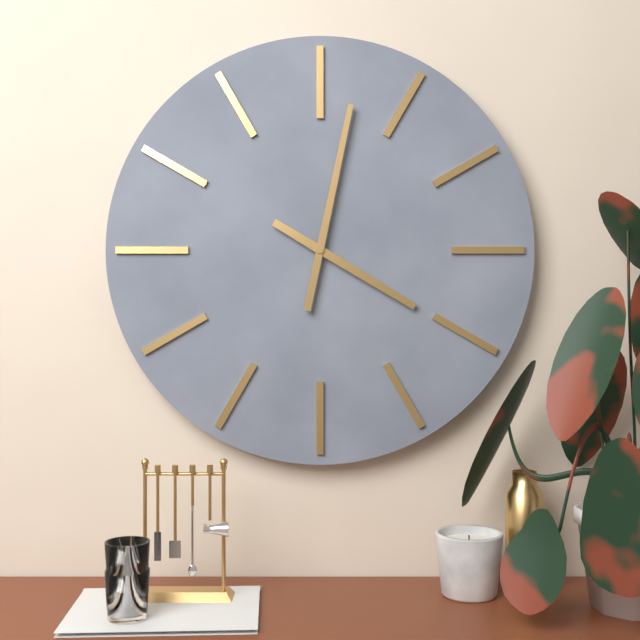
{"hour": 4, "minute": 2}
